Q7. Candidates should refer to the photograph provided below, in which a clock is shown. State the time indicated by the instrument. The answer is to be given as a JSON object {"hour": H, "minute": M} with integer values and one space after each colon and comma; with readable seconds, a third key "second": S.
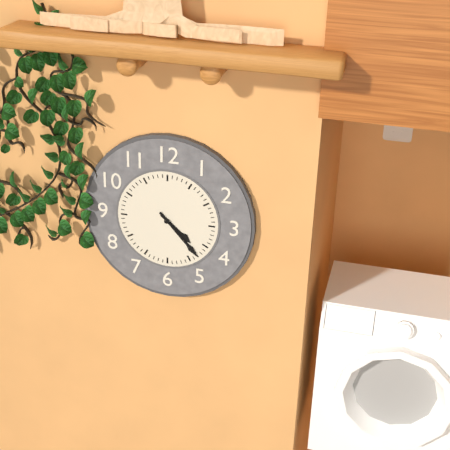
{"hour": 4, "minute": 23}
